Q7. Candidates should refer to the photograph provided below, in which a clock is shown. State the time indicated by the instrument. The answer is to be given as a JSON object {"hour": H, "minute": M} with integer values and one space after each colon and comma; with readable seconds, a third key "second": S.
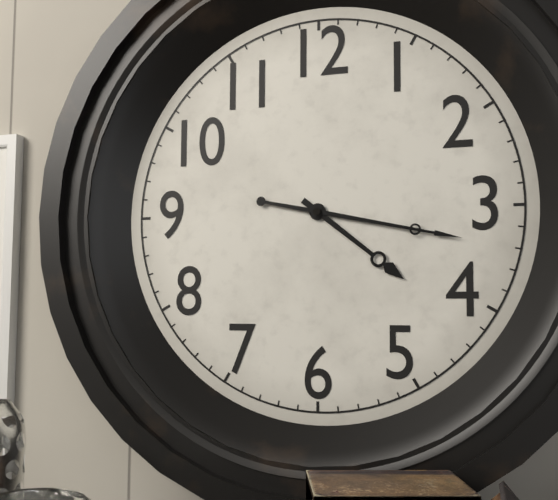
{"hour": 4, "minute": 17}
